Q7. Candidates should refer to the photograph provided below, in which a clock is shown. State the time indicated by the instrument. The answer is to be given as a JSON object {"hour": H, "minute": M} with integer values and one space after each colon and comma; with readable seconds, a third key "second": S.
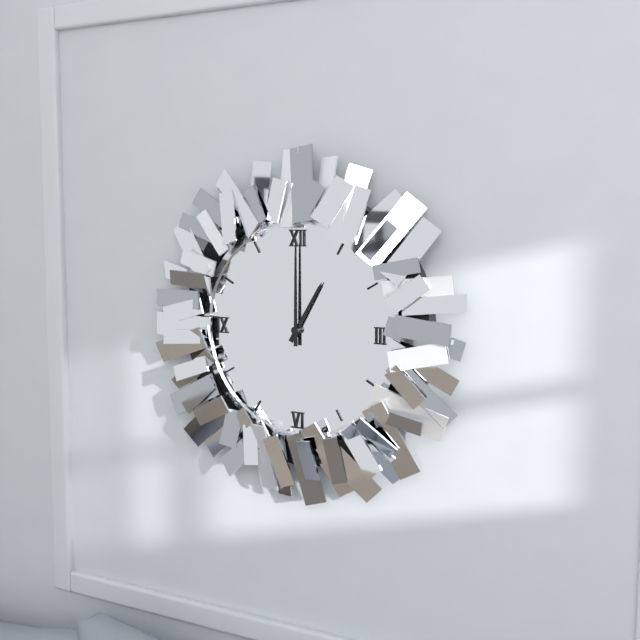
{"hour": 1, "minute": 0}
